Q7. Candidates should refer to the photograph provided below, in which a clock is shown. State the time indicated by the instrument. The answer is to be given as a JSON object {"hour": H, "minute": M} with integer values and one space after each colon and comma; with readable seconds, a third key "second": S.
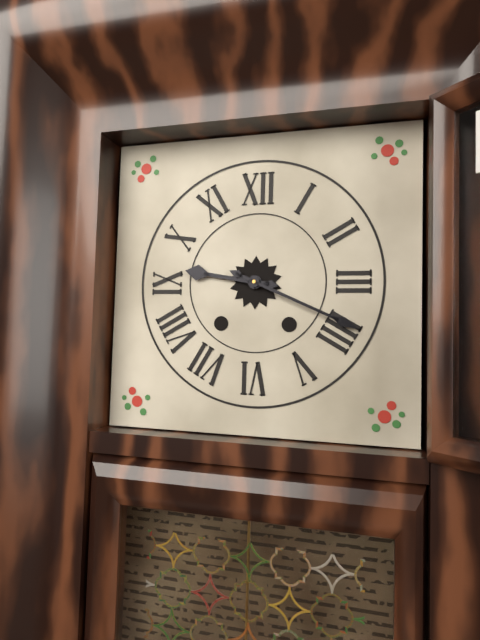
{"hour": 9, "minute": 19}
